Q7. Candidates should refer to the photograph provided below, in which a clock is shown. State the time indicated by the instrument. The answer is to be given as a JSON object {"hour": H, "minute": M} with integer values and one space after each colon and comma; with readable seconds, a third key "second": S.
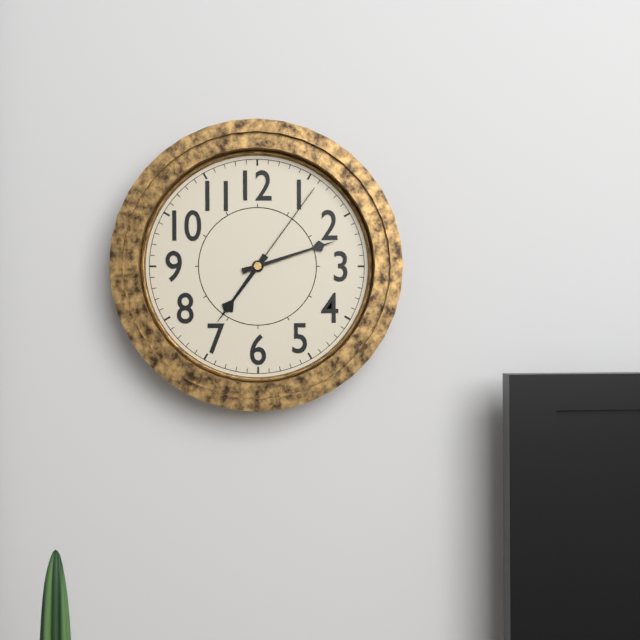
{"hour": 7, "minute": 12, "second": 6}
